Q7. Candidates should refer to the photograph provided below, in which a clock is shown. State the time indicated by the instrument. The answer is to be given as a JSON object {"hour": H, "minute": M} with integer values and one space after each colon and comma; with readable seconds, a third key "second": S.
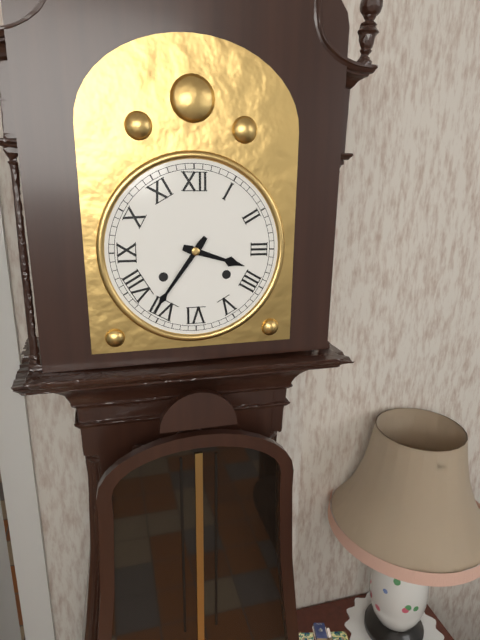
{"hour": 3, "minute": 36}
